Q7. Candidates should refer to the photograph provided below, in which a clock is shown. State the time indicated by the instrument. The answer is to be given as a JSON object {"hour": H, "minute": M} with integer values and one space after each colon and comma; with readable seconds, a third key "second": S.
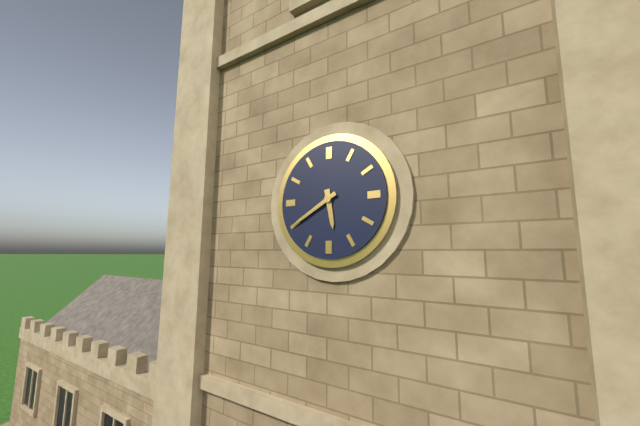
{"hour": 5, "minute": 40}
